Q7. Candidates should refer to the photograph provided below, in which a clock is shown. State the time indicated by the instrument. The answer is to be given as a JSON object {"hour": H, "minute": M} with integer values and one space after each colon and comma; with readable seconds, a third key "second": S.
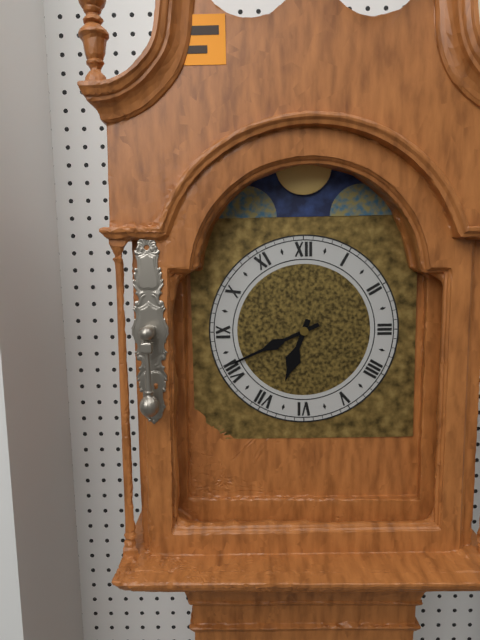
{"hour": 6, "minute": 41}
